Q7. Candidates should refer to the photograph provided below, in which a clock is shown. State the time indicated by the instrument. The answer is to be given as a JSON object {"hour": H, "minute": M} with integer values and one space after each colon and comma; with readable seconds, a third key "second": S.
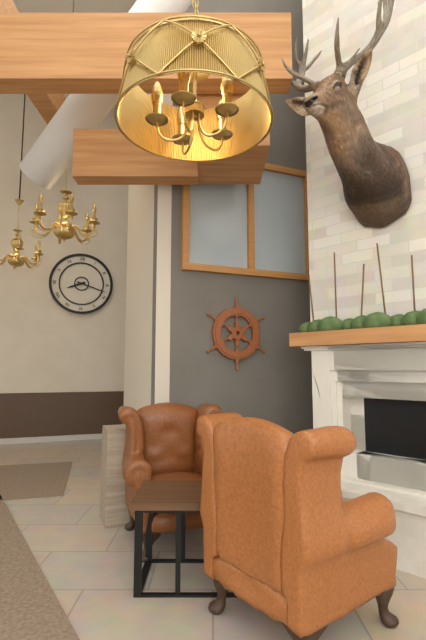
{"hour": 8, "minute": 18}
